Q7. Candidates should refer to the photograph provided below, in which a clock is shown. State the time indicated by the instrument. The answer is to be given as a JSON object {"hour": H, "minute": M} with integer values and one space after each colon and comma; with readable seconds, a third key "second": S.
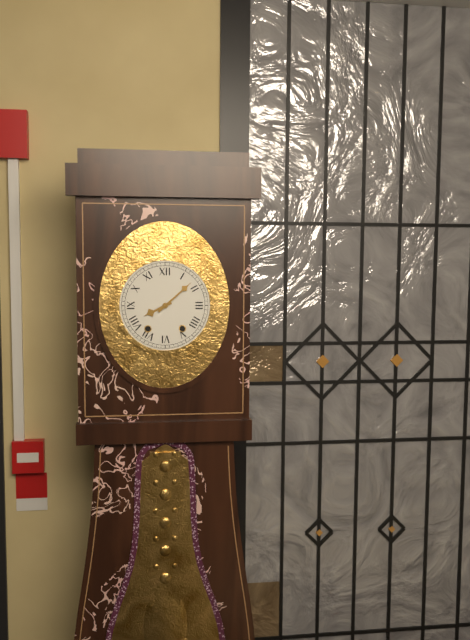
{"hour": 8, "minute": 8}
